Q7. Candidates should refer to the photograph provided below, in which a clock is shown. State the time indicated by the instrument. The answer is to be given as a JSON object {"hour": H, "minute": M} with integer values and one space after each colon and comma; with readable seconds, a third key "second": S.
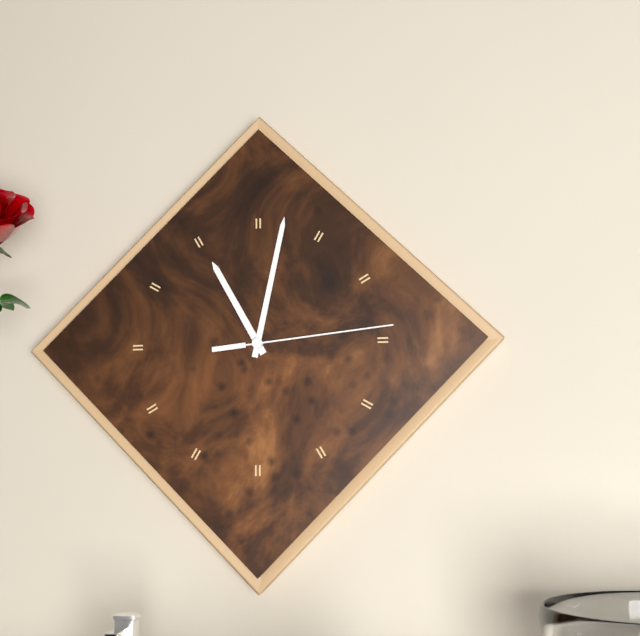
{"hour": 11, "minute": 2, "second": 14}
